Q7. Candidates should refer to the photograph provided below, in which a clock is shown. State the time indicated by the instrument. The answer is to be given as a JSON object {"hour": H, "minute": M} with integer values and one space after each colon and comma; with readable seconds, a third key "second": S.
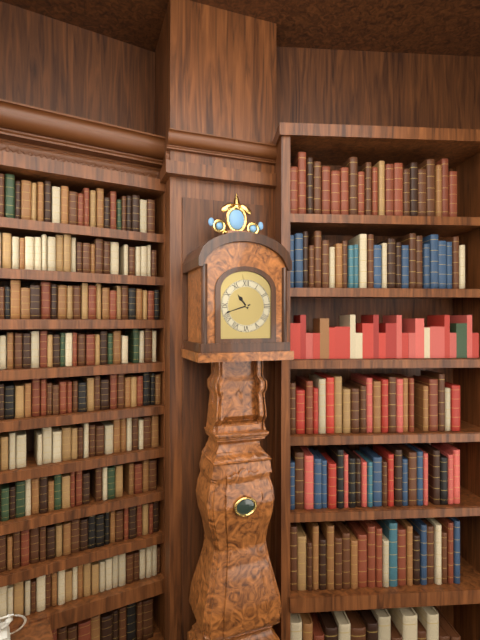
{"hour": 10, "minute": 42}
